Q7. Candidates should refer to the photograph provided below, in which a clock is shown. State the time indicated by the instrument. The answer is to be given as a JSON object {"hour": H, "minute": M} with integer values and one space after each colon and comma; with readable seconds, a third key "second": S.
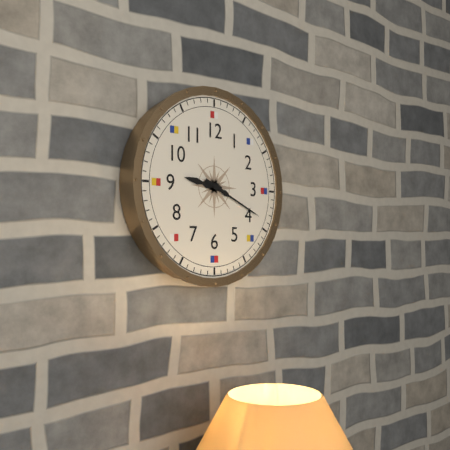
{"hour": 9, "minute": 19}
